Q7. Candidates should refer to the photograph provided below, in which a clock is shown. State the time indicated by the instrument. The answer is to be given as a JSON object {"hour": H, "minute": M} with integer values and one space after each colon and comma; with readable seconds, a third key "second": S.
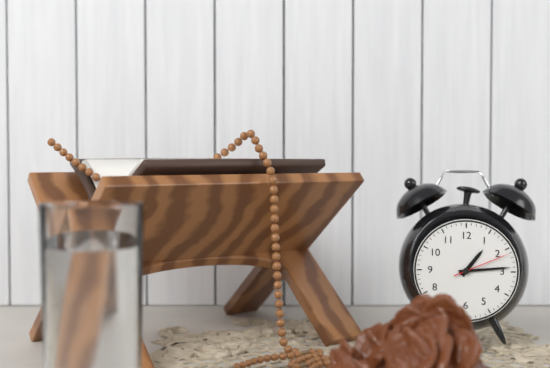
{"hour": 1, "minute": 14, "second": 11}
